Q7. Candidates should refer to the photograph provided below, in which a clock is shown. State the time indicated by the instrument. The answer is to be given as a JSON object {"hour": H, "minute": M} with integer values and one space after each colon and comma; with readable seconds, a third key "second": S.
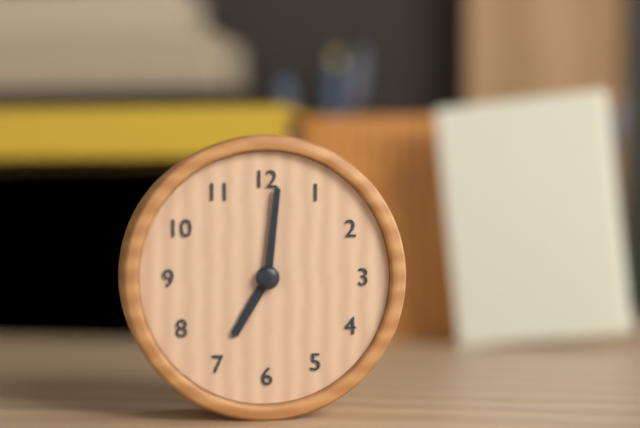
{"hour": 7, "minute": 1}
